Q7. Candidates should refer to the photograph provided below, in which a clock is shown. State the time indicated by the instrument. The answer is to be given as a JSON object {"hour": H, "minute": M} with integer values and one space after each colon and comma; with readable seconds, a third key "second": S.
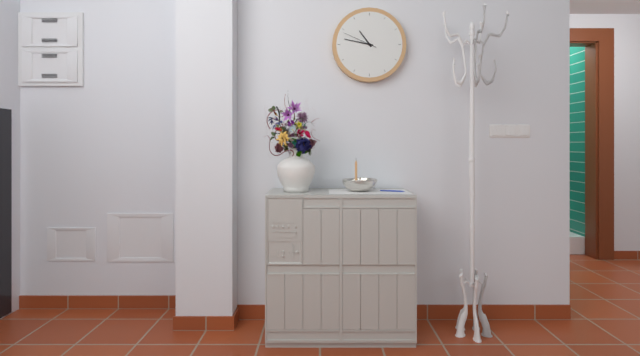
{"hour": 10, "minute": 47}
